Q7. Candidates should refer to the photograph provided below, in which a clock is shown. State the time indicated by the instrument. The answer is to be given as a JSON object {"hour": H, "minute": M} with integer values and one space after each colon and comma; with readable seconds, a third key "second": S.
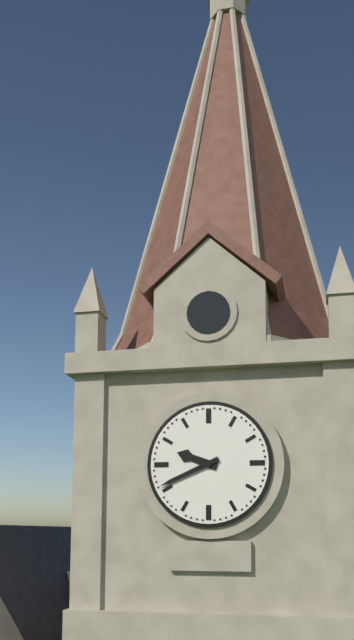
{"hour": 9, "minute": 41}
